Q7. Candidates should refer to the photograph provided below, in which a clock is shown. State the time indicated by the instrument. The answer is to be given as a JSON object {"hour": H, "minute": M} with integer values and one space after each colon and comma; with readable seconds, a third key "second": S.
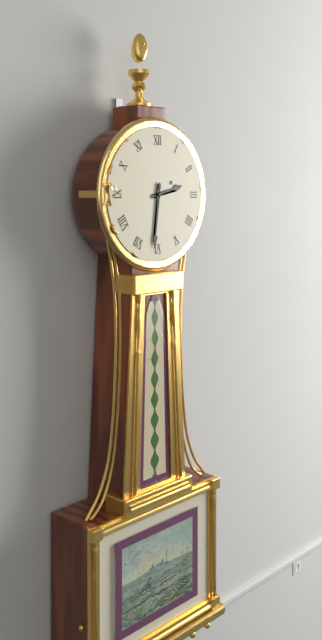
{"hour": 2, "minute": 31}
